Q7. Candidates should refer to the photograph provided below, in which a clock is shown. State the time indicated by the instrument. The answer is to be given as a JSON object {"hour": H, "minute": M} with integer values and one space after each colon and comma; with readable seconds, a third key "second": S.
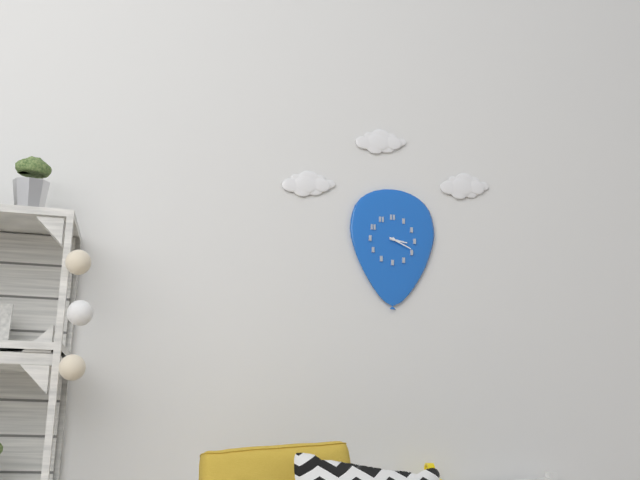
{"hour": 3, "minute": 19}
